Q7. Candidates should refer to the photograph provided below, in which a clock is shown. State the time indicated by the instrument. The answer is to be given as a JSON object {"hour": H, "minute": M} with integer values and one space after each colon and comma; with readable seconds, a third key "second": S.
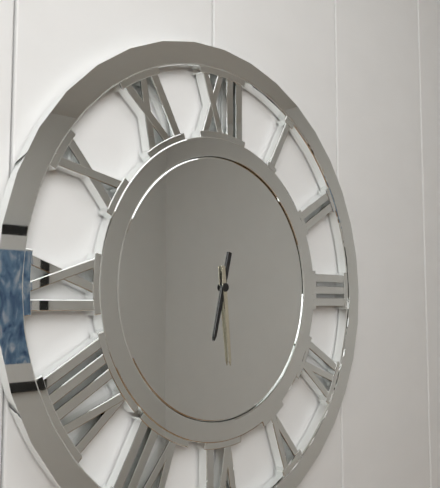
{"hour": 6, "minute": 29}
